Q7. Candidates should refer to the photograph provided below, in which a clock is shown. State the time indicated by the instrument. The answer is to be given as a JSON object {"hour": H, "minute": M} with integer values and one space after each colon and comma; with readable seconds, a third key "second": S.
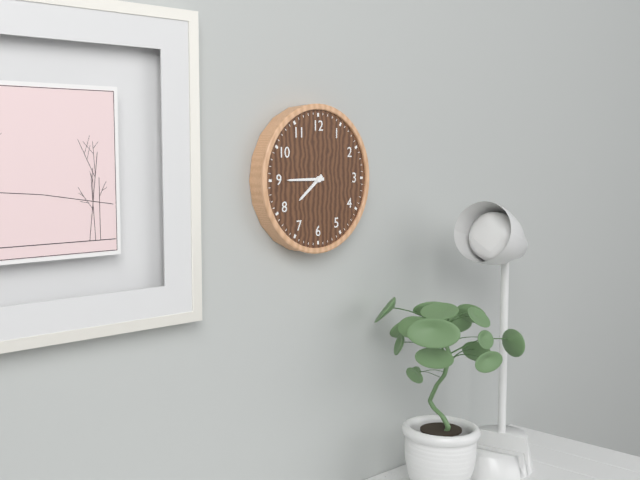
{"hour": 7, "minute": 45}
